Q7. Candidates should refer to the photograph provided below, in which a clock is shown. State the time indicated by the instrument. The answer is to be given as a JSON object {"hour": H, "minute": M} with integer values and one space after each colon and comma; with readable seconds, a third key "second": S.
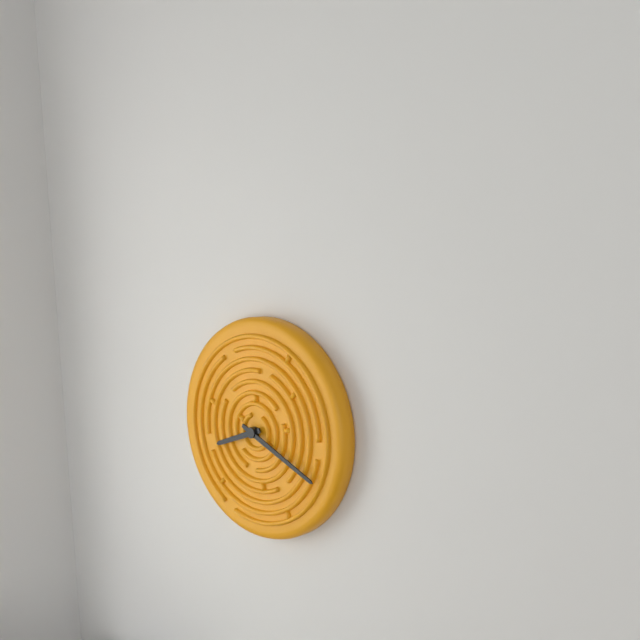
{"hour": 8, "minute": 19}
